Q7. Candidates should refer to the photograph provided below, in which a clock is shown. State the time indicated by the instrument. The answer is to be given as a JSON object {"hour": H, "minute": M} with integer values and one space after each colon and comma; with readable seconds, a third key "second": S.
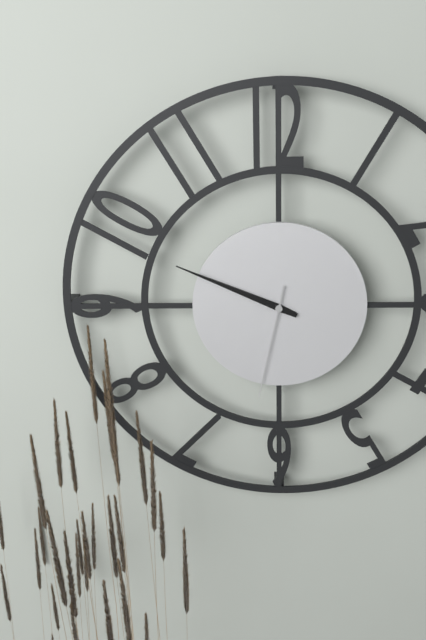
{"hour": 9, "minute": 49, "second": 32}
